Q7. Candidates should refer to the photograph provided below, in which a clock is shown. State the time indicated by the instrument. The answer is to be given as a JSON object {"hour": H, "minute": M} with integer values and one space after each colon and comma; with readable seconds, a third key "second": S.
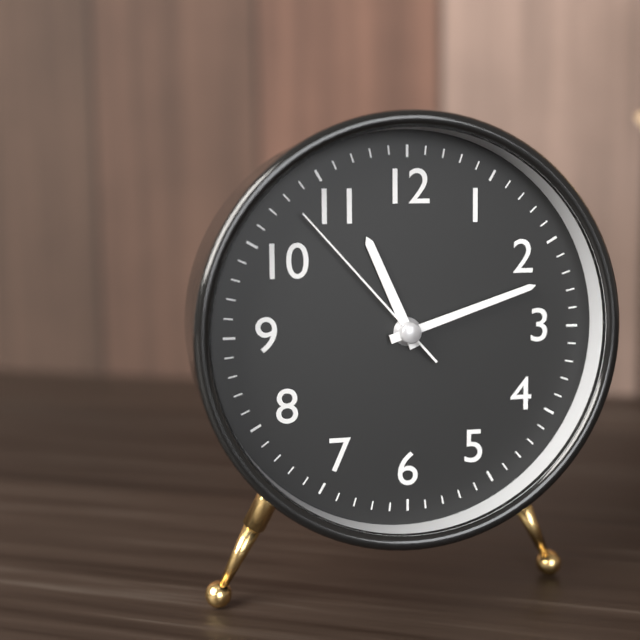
{"hour": 11, "minute": 12, "second": 53}
